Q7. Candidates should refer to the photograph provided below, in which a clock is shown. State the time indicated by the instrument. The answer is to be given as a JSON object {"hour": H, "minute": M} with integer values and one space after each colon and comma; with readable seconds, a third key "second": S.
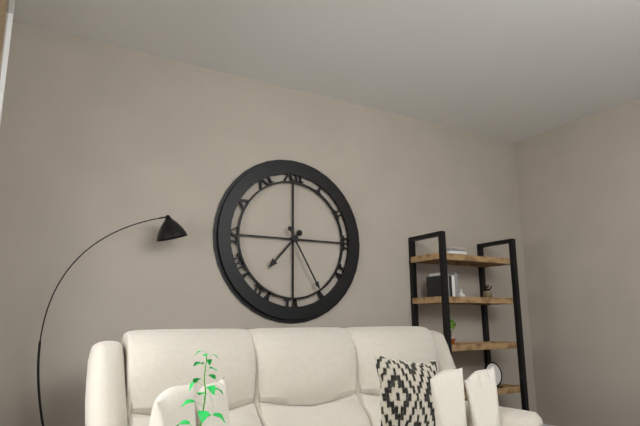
{"hour": 7, "minute": 25}
